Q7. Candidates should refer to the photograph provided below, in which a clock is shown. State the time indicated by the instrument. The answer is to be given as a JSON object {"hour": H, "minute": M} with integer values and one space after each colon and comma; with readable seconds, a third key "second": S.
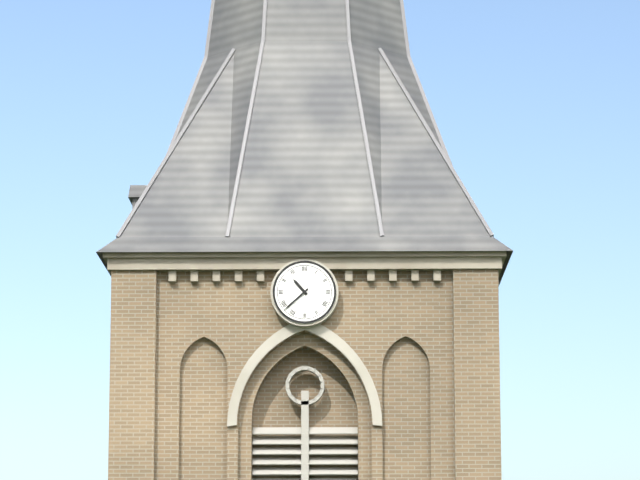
{"hour": 10, "minute": 38}
